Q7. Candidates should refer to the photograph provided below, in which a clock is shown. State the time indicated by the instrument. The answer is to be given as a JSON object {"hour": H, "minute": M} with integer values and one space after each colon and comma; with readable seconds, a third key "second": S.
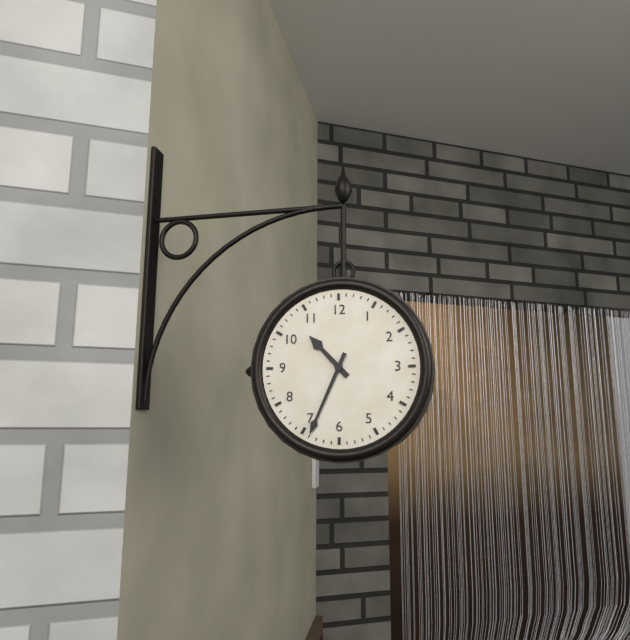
{"hour": 10, "minute": 34}
